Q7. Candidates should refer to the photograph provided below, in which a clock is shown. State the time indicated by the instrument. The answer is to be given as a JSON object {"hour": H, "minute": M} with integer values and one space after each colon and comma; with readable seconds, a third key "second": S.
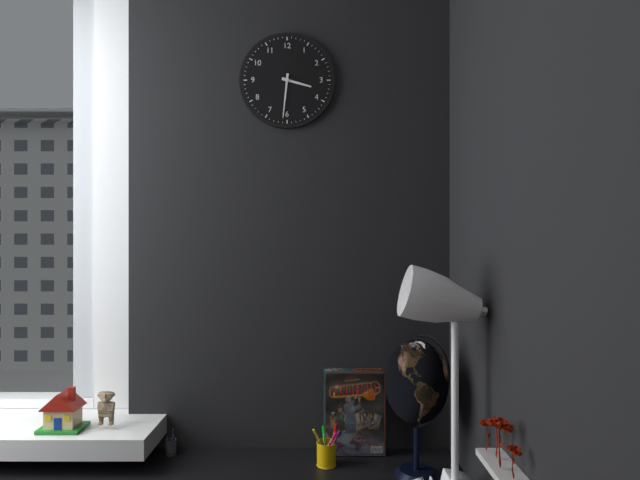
{"hour": 3, "minute": 31}
